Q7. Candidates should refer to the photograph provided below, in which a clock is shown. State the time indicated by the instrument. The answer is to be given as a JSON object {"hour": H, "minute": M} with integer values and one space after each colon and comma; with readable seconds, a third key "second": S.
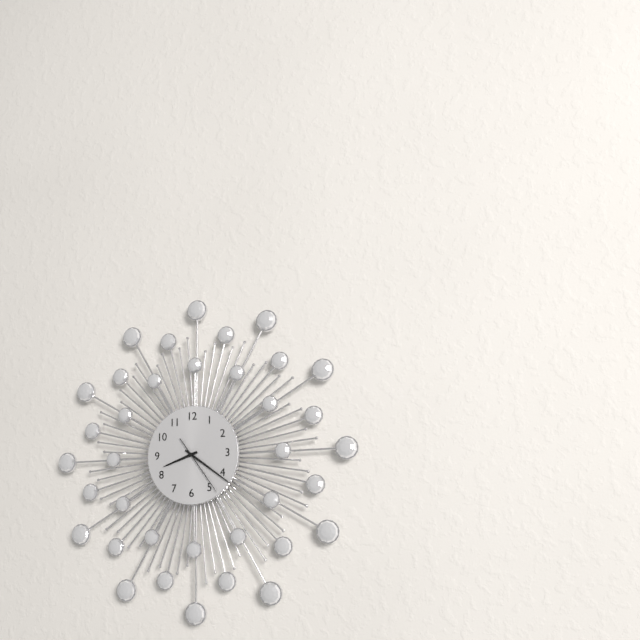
{"hour": 8, "minute": 21, "second": 24}
